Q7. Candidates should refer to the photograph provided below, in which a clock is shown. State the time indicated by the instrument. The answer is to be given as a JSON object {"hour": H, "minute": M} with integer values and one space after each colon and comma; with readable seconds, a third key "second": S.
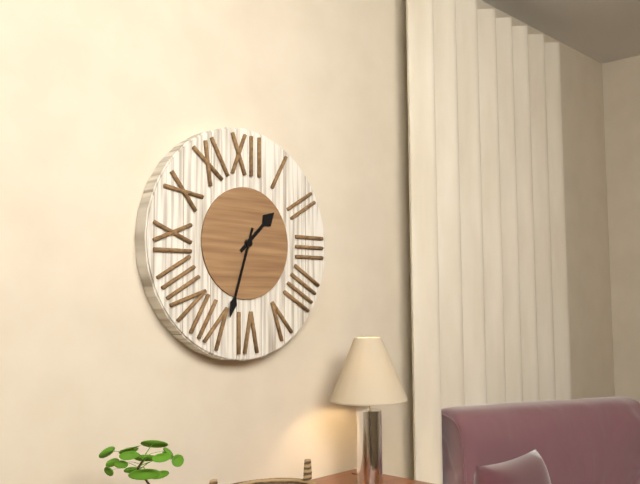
{"hour": 1, "minute": 33}
